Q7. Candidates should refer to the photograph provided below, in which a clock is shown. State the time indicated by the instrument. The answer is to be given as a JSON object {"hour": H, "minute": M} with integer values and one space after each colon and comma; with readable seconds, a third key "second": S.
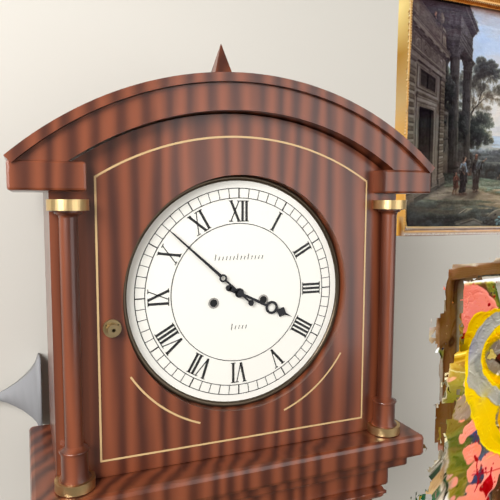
{"hour": 3, "minute": 52}
